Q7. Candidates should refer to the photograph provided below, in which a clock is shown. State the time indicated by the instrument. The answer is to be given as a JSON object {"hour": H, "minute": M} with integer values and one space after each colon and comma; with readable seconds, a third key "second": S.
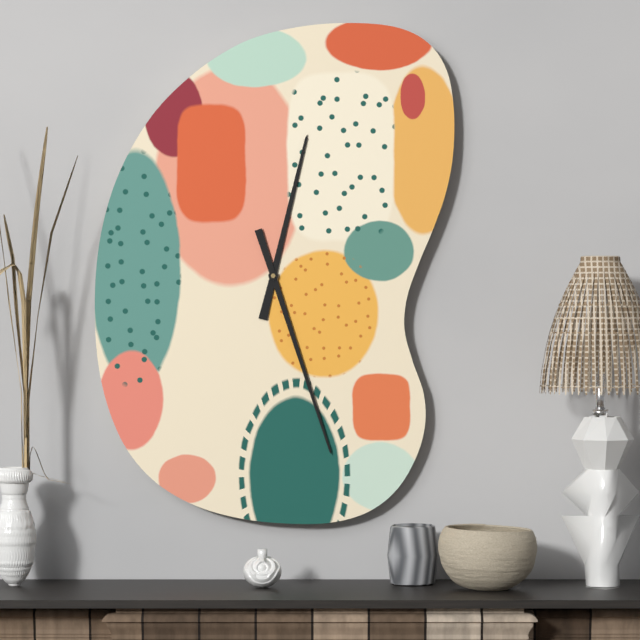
{"hour": 12, "minute": 27}
